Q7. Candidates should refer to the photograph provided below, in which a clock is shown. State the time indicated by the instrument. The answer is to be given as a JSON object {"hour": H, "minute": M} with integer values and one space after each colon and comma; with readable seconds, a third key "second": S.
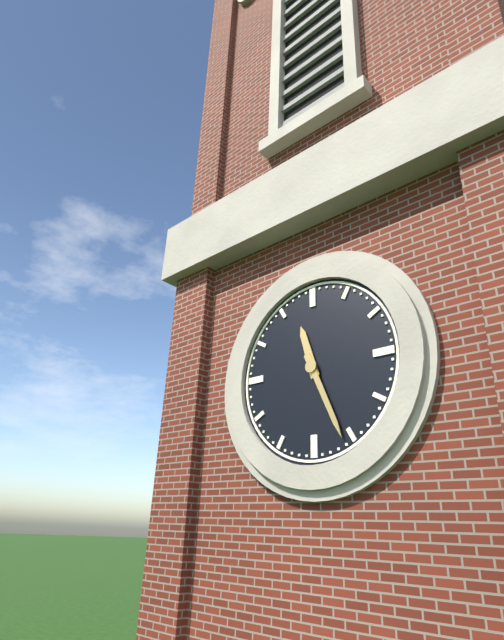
{"hour": 11, "minute": 26}
